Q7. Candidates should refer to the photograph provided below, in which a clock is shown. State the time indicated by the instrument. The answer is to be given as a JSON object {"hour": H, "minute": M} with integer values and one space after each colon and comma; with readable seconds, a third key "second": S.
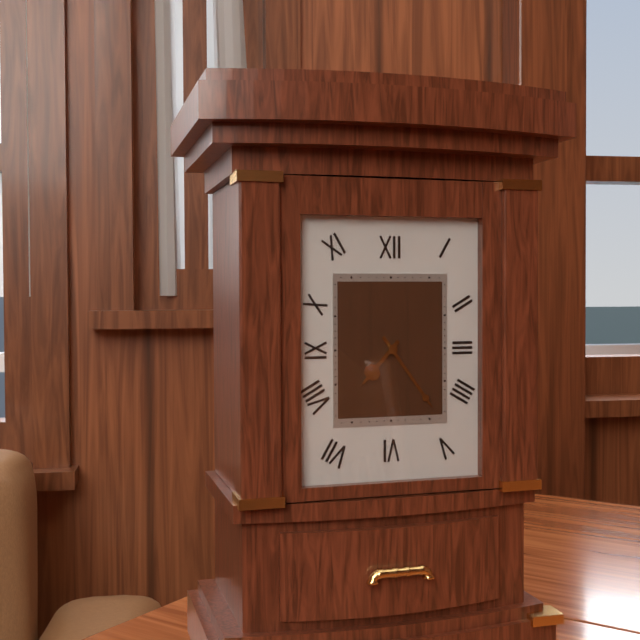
{"hour": 7, "minute": 24}
